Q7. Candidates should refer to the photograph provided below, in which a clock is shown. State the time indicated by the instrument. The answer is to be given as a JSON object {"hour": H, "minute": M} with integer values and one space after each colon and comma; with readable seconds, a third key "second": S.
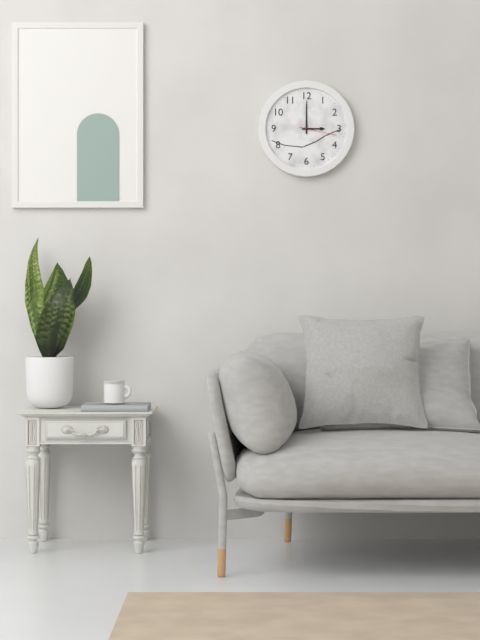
{"hour": 3, "minute": 0}
